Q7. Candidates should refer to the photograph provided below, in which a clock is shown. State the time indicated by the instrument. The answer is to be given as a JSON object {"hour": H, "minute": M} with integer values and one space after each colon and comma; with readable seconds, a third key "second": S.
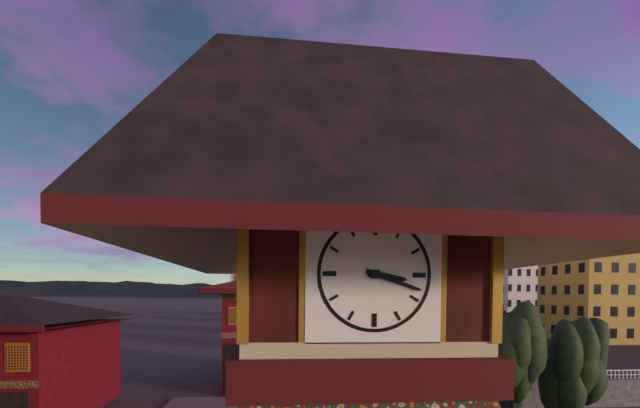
{"hour": 3, "minute": 18}
